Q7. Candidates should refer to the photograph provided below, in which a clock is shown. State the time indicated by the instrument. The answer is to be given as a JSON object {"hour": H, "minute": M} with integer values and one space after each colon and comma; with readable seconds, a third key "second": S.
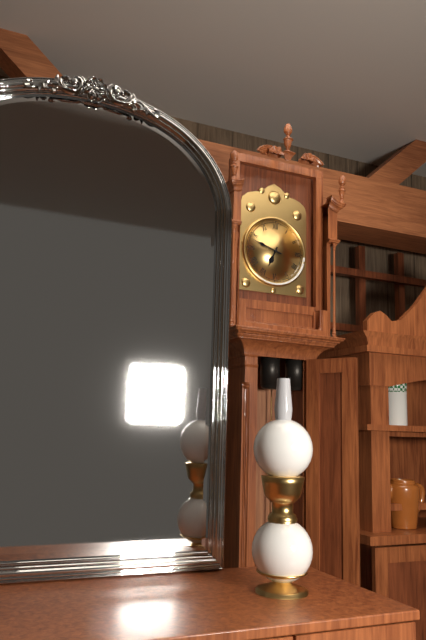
{"hour": 6, "minute": 48}
